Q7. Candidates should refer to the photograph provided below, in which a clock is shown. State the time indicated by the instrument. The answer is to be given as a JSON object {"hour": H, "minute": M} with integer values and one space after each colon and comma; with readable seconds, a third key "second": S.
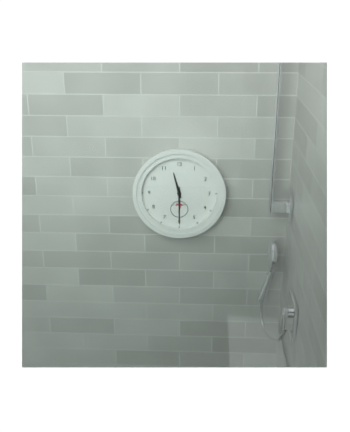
{"hour": 11, "minute": 30}
